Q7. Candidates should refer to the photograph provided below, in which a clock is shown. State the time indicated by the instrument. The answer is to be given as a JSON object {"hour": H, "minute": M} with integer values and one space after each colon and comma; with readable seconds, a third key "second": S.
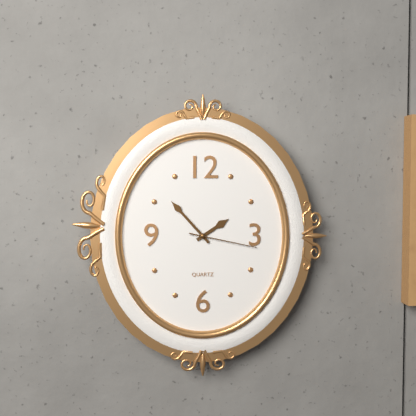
{"hour": 1, "minute": 53, "second": 17}
